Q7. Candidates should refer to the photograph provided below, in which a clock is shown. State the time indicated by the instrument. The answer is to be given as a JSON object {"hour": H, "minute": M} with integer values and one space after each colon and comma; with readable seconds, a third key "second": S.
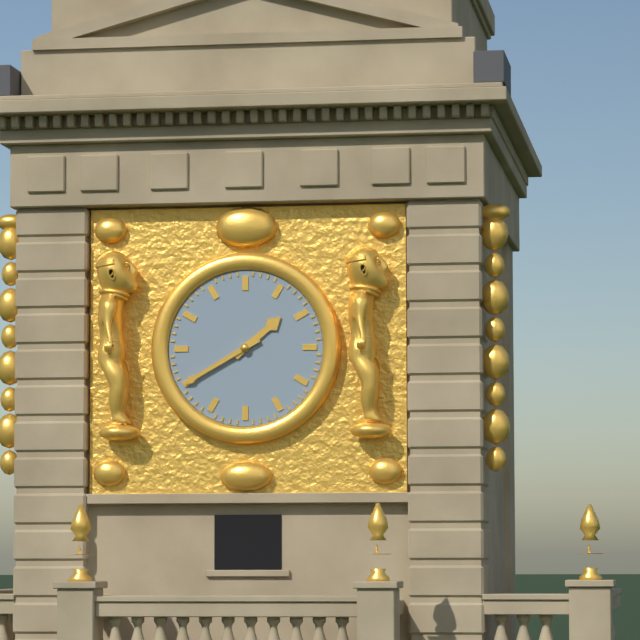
{"hour": 1, "minute": 40}
